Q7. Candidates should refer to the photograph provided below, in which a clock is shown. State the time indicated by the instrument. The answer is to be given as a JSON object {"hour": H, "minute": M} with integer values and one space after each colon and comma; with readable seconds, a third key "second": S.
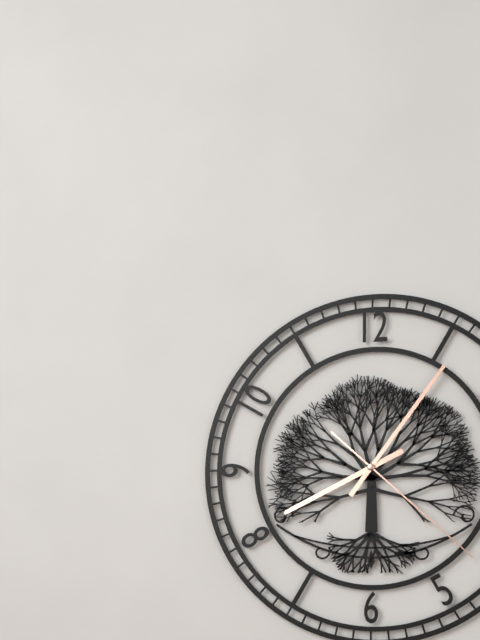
{"hour": 8, "minute": 6, "second": 22}
